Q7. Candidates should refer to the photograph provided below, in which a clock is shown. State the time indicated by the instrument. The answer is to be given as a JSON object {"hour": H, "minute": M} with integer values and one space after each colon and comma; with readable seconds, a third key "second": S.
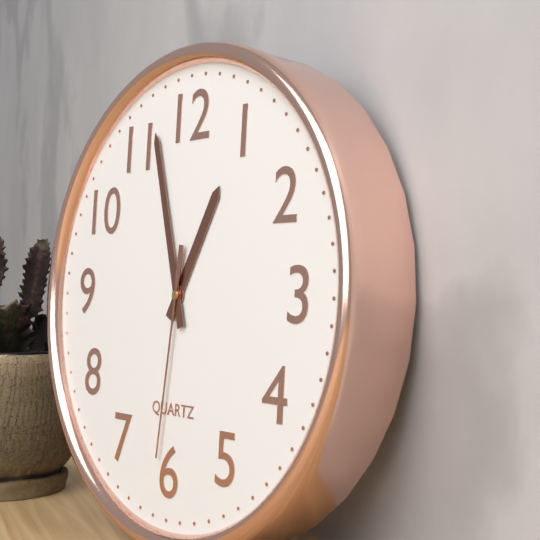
{"hour": 12, "minute": 57, "second": 31}
